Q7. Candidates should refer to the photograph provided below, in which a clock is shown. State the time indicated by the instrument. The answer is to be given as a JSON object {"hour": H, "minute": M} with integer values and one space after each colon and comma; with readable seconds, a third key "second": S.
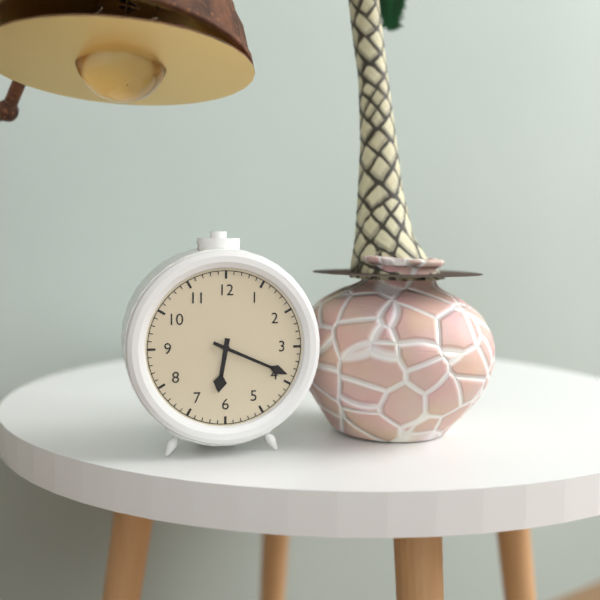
{"hour": 6, "minute": 19}
